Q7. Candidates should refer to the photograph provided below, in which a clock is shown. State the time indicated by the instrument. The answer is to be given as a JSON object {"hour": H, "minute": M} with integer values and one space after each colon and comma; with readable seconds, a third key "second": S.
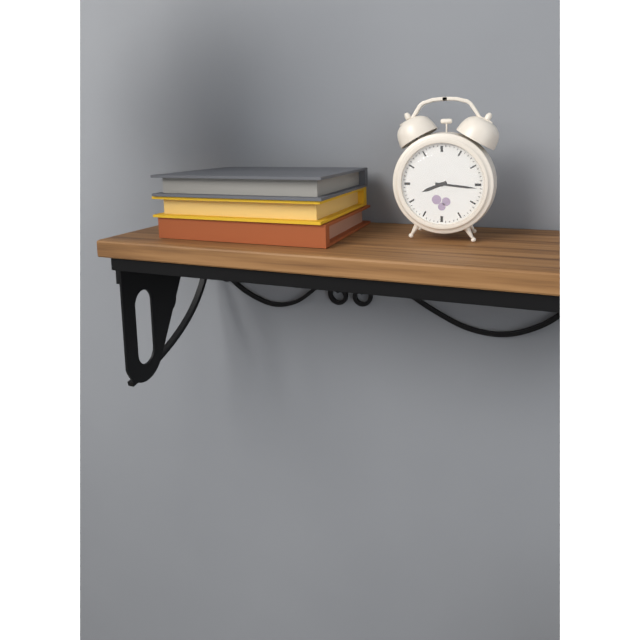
{"hour": 8, "minute": 16}
